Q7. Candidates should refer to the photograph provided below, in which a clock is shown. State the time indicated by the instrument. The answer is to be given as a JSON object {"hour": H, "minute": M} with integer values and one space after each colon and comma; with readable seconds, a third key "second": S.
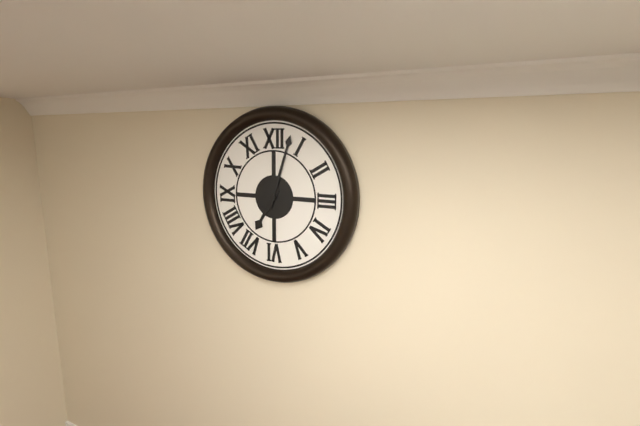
{"hour": 7, "minute": 3}
